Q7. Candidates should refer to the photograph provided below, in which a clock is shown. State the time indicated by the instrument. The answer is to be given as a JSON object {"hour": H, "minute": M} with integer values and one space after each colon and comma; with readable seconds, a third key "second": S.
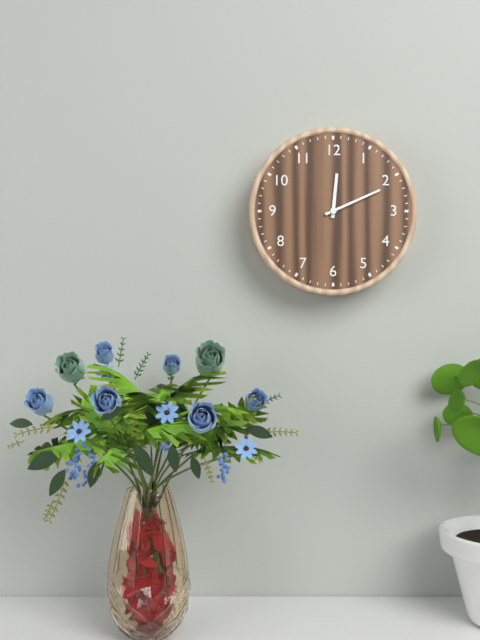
{"hour": 12, "minute": 11}
